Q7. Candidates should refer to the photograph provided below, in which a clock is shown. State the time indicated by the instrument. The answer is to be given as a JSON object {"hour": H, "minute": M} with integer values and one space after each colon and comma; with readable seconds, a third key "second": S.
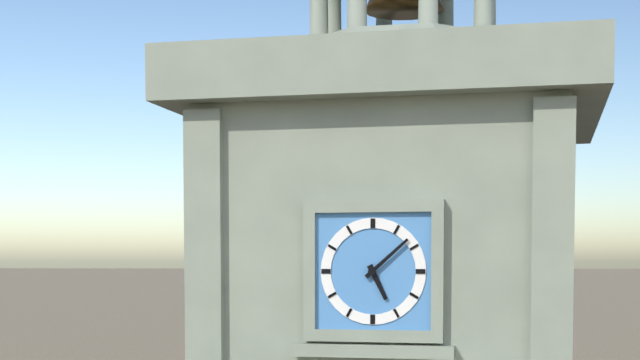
{"hour": 5, "minute": 8}
